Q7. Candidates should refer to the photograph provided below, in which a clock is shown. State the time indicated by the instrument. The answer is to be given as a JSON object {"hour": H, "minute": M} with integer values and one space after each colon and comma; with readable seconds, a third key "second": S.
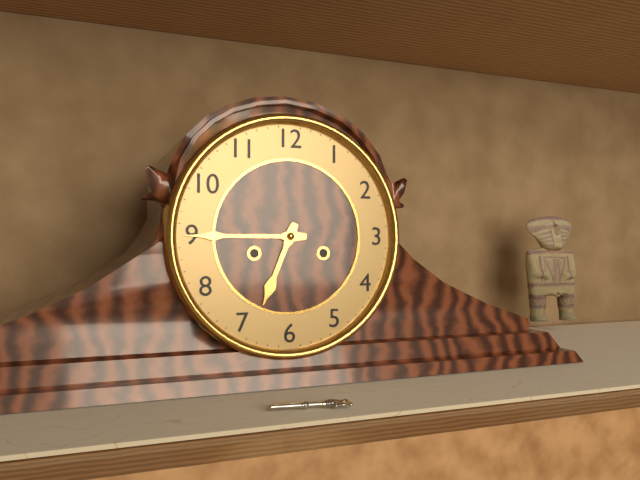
{"hour": 6, "minute": 45}
